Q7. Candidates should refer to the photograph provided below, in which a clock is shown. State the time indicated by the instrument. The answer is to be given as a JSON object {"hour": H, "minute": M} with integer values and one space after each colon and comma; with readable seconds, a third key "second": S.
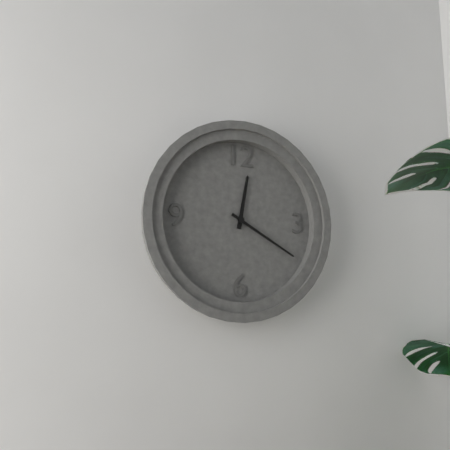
{"hour": 12, "minute": 20}
